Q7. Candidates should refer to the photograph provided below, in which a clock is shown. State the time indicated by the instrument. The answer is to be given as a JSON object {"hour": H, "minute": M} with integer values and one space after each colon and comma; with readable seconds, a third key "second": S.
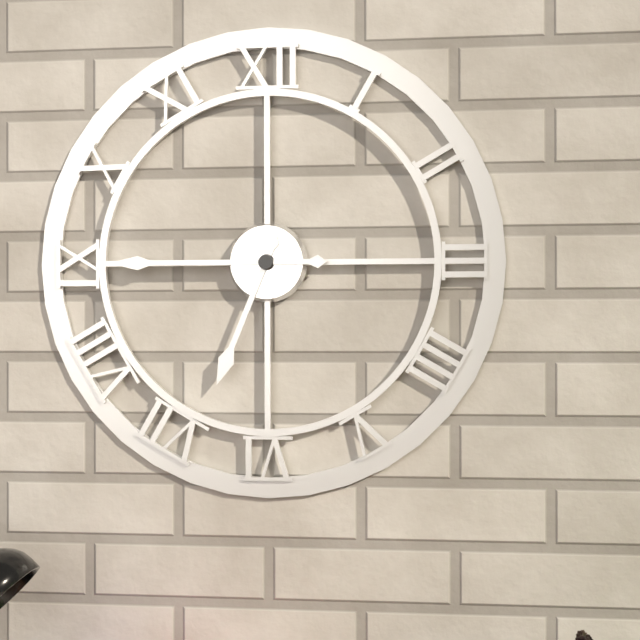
{"hour": 6, "minute": 45}
